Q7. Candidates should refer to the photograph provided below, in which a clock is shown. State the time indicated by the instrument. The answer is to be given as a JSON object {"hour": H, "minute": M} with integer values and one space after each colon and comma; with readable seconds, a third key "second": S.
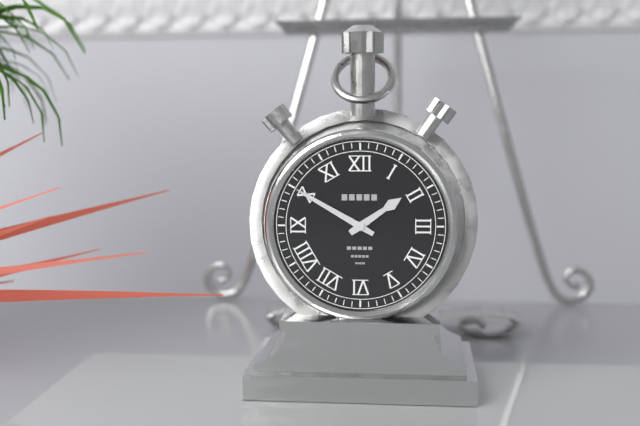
{"hour": 1, "minute": 50}
